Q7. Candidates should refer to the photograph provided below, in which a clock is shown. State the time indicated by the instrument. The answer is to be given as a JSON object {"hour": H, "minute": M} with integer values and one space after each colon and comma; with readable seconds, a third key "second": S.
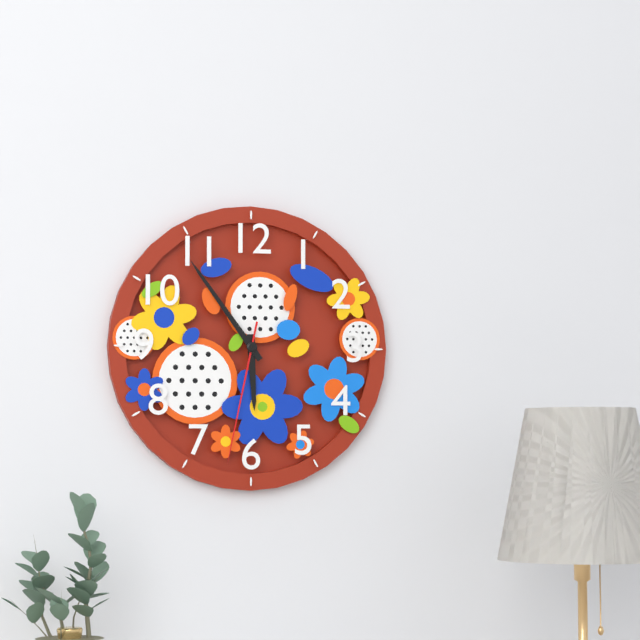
{"hour": 5, "minute": 54, "second": 32}
